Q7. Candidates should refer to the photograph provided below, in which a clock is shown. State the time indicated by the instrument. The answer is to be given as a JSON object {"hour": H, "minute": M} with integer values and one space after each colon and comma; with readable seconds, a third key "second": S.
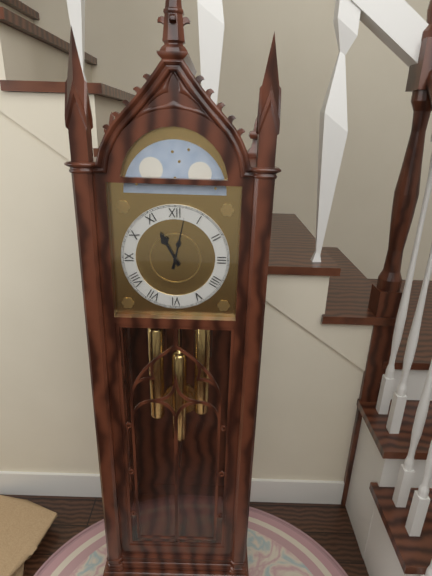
{"hour": 11, "minute": 2}
